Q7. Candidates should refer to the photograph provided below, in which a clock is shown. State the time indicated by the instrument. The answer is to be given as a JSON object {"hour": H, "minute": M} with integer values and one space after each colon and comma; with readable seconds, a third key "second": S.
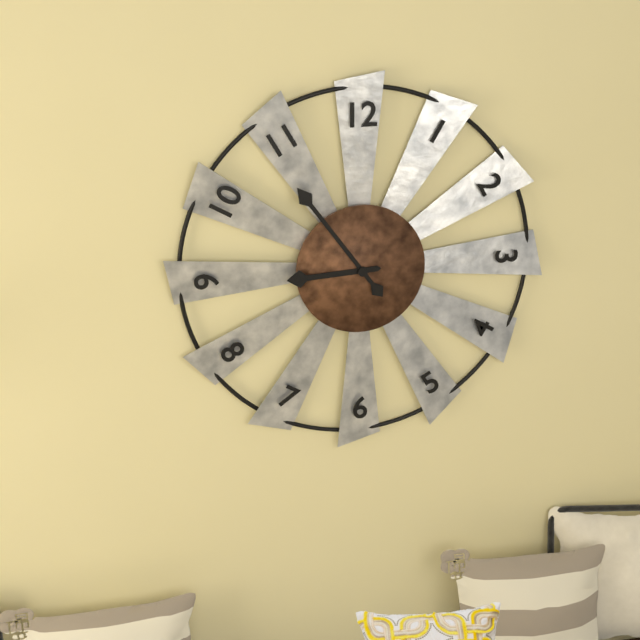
{"hour": 8, "minute": 54}
